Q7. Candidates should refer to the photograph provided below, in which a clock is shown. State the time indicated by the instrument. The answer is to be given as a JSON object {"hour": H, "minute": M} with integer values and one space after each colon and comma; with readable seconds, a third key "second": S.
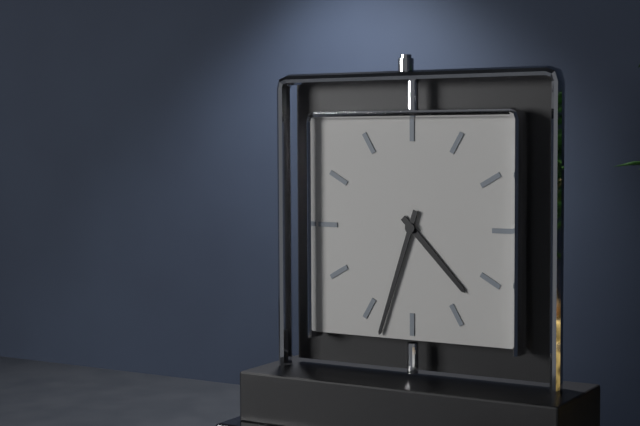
{"hour": 4, "minute": 33}
